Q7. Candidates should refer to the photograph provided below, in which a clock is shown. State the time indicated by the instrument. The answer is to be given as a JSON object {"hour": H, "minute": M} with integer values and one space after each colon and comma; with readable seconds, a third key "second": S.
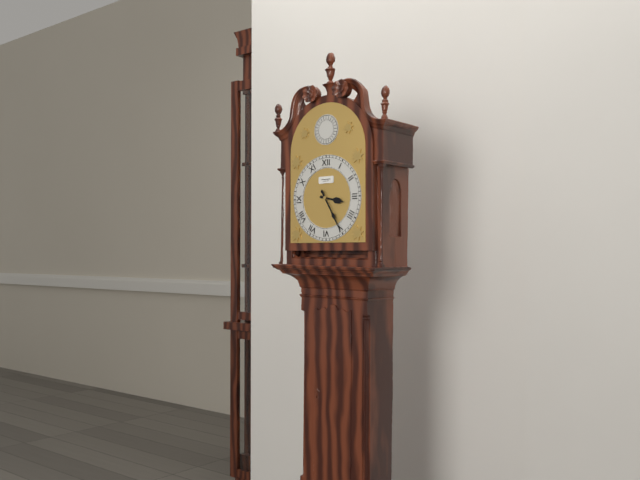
{"hour": 3, "minute": 25}
